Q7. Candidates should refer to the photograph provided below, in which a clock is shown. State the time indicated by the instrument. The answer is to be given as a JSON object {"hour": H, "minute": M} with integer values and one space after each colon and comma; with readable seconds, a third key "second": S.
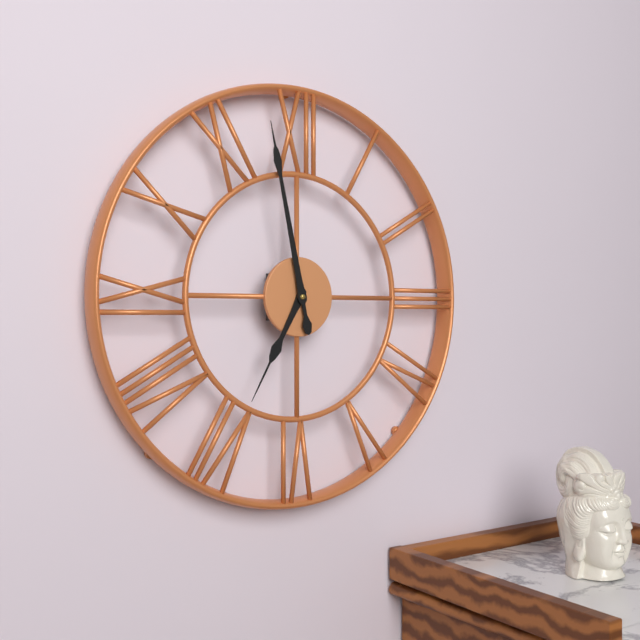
{"hour": 6, "minute": 58}
